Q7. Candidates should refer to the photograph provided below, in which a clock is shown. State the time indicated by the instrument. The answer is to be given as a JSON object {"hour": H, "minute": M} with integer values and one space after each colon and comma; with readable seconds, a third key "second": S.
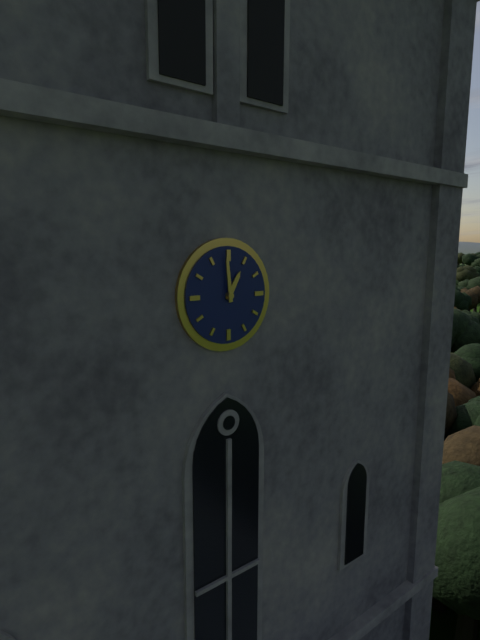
{"hour": 12, "minute": 59}
